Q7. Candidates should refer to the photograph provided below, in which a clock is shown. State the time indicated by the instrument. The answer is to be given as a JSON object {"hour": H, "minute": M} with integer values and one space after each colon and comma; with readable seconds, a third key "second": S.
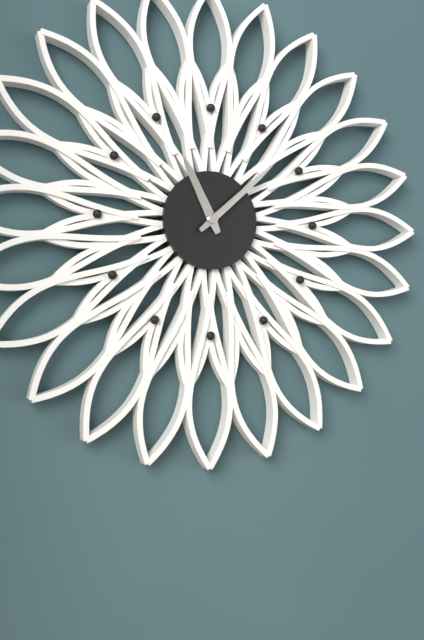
{"hour": 11, "minute": 8}
